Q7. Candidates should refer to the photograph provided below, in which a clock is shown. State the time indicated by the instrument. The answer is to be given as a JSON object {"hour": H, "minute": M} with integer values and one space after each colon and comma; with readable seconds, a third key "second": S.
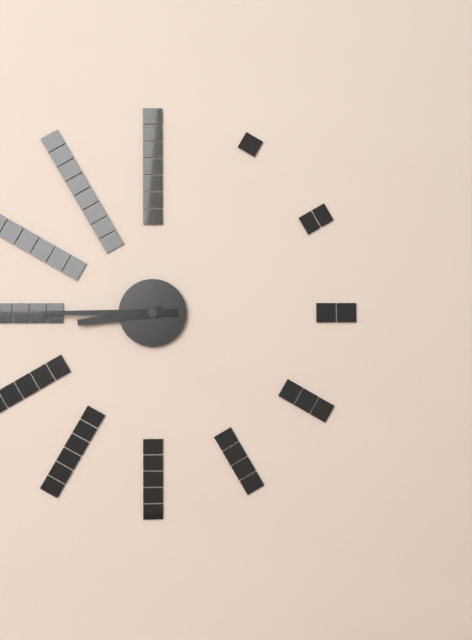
{"hour": 8, "minute": 45}
